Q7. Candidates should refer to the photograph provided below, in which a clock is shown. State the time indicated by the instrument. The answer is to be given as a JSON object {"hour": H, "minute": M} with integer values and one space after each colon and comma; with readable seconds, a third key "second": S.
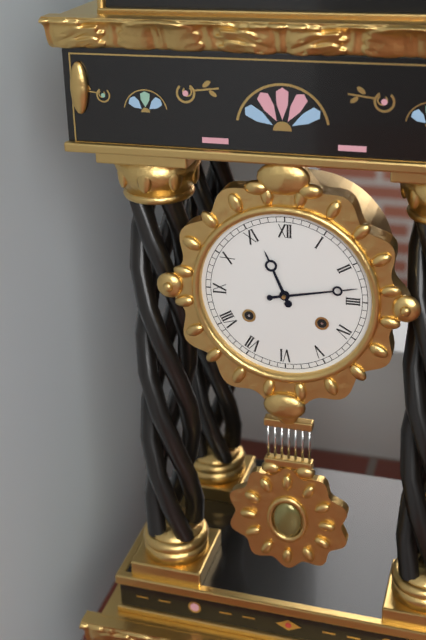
{"hour": 11, "minute": 13}
